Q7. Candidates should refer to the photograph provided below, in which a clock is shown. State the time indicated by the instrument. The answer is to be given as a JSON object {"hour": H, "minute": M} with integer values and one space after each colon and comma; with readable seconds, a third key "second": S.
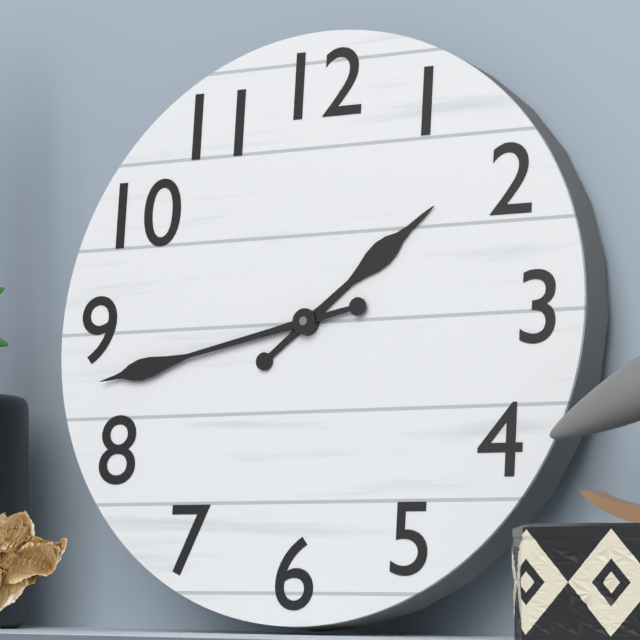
{"hour": 1, "minute": 43}
